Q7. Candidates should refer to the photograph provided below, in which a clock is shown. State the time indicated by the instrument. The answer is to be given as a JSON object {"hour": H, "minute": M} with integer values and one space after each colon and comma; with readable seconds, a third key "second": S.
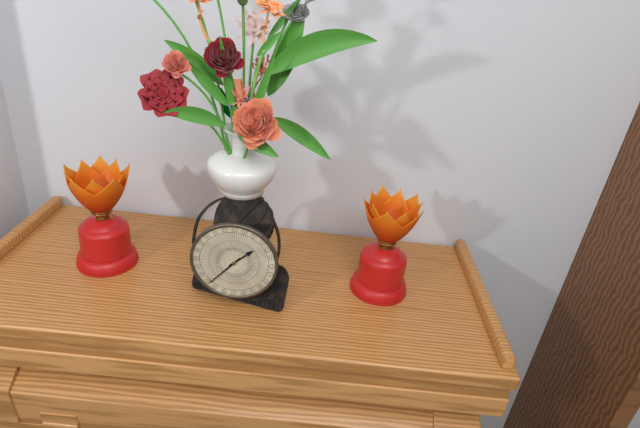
{"hour": 1, "minute": 37}
